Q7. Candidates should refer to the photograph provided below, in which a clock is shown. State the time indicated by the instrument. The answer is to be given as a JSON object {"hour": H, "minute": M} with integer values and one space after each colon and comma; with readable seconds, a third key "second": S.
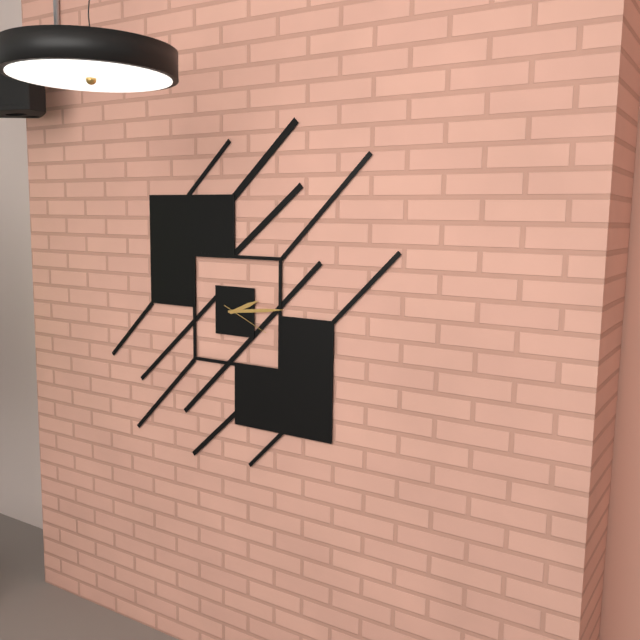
{"hour": 2, "minute": 14}
